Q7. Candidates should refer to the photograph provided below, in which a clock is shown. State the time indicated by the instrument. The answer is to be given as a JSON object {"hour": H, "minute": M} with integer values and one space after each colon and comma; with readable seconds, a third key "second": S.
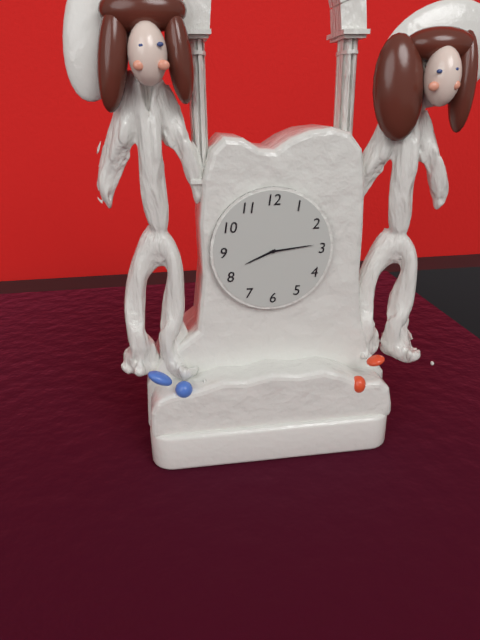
{"hour": 8, "minute": 14}
